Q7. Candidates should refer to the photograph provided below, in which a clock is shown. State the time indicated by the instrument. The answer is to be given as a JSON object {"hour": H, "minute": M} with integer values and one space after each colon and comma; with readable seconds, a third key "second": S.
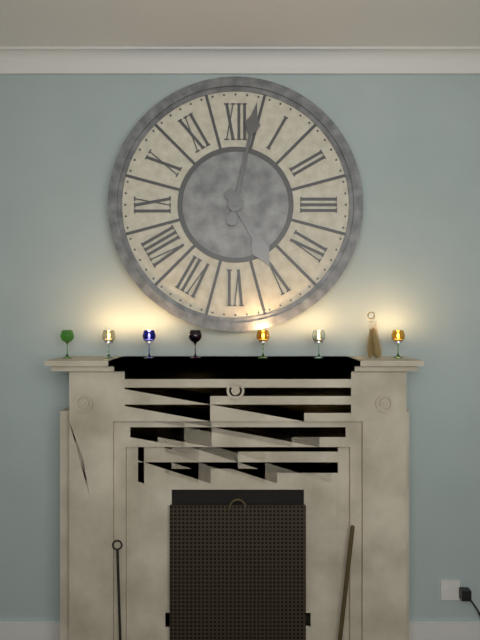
{"hour": 5, "minute": 2}
